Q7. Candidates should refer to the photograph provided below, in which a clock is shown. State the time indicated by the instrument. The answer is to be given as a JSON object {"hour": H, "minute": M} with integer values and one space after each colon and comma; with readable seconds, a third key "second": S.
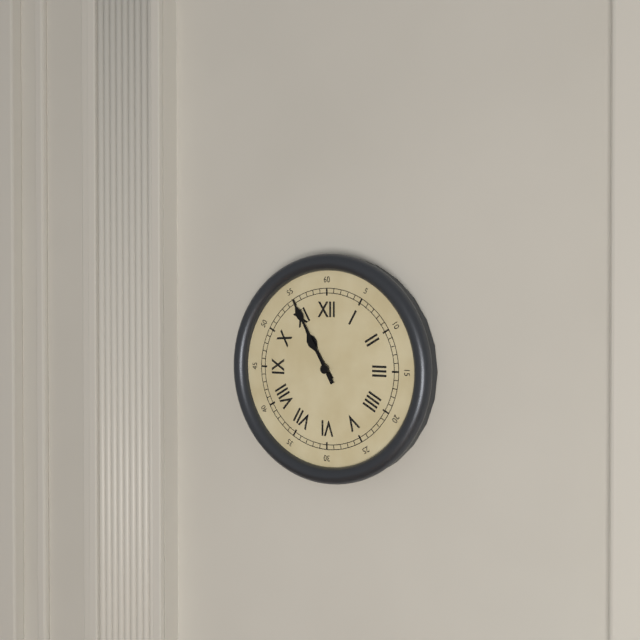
{"hour": 10, "minute": 55}
